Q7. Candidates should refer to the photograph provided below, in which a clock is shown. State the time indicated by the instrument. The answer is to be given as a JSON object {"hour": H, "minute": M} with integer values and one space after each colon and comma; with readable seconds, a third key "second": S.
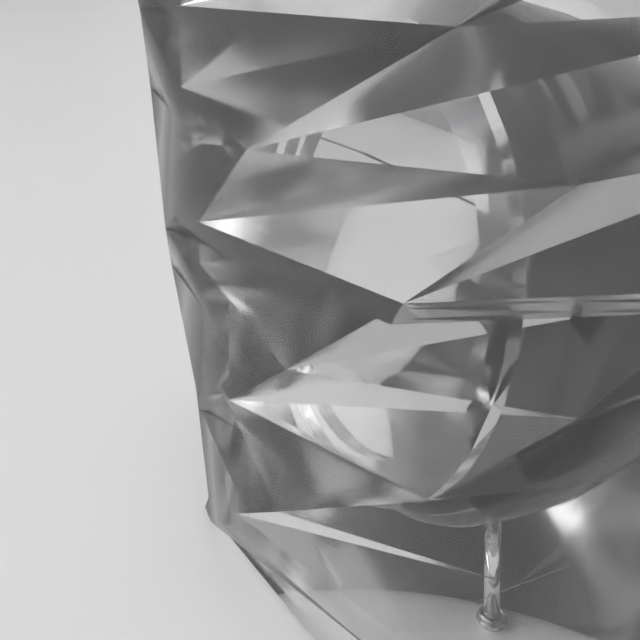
{"hour": 3, "minute": 54, "second": 10}
